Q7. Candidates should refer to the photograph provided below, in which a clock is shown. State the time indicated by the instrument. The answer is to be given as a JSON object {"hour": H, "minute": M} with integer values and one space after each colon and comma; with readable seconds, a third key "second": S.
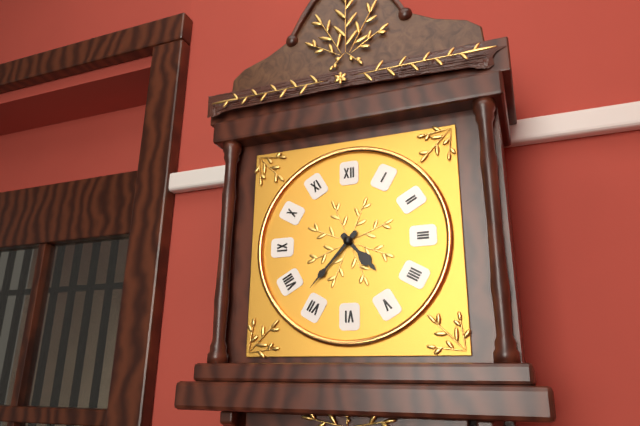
{"hour": 4, "minute": 37}
